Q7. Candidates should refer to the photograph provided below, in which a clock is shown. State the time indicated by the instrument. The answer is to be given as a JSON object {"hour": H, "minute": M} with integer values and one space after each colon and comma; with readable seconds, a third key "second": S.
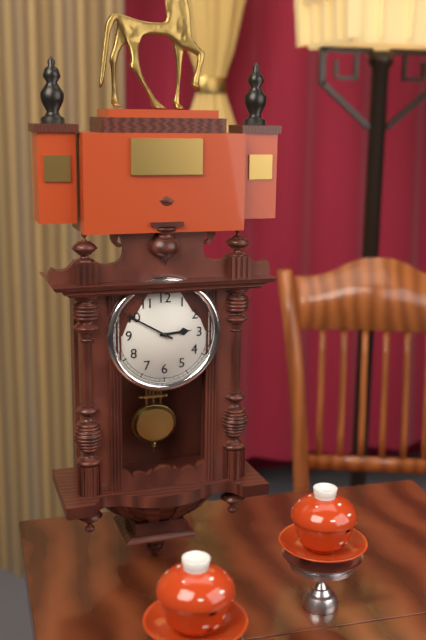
{"hour": 2, "minute": 50}
